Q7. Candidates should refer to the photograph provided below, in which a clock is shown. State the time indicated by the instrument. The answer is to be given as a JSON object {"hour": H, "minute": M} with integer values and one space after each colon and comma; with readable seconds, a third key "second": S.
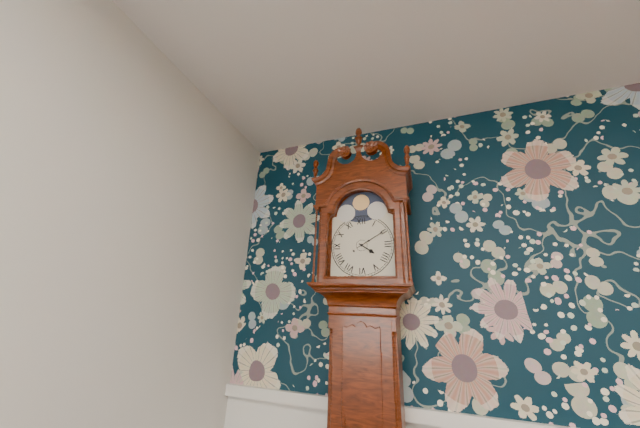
{"hour": 4, "minute": 10}
